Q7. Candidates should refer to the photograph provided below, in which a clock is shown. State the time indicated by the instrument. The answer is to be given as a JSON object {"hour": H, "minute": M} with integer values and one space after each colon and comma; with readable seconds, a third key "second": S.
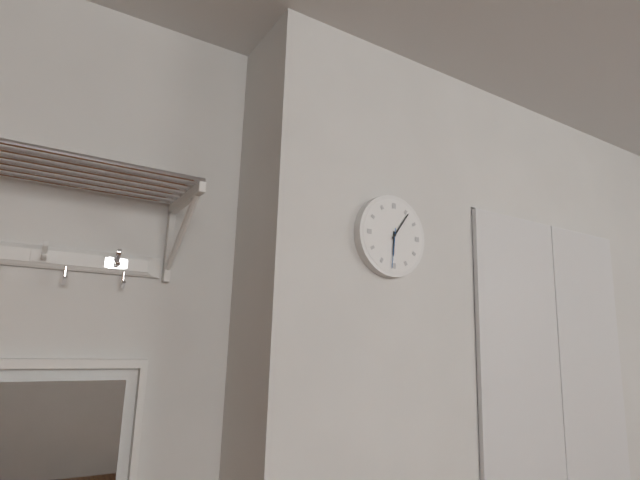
{"hour": 6, "minute": 6}
